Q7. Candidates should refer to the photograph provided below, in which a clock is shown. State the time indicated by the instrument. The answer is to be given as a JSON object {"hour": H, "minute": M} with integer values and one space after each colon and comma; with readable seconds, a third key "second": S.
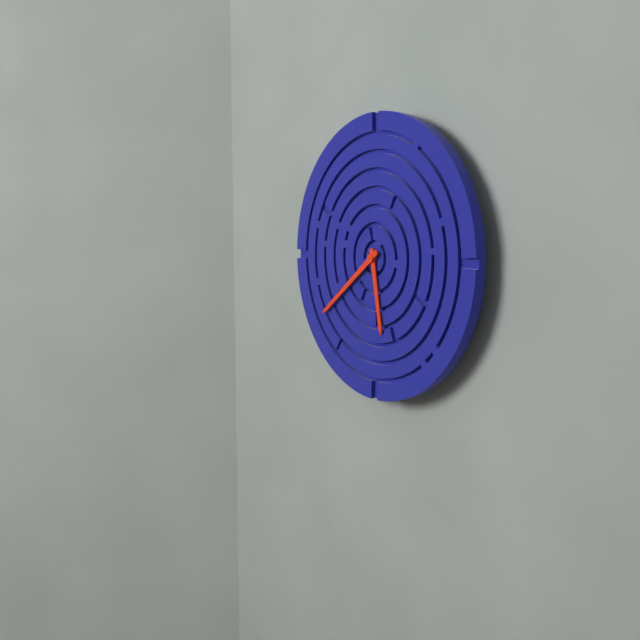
{"hour": 5, "minute": 39}
